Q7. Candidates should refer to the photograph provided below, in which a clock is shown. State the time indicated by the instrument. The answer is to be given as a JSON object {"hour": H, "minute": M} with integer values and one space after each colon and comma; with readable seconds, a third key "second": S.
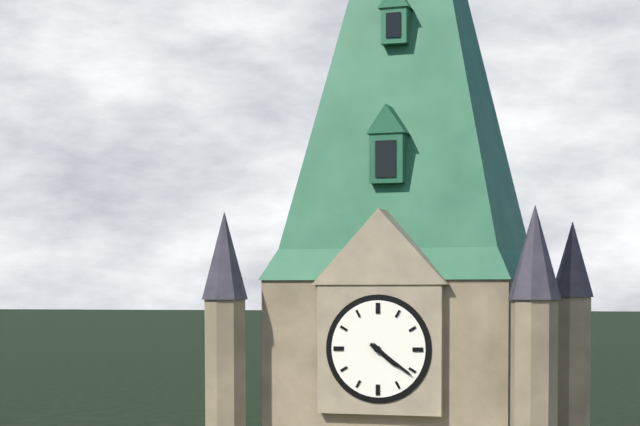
{"hour": 4, "minute": 21}
